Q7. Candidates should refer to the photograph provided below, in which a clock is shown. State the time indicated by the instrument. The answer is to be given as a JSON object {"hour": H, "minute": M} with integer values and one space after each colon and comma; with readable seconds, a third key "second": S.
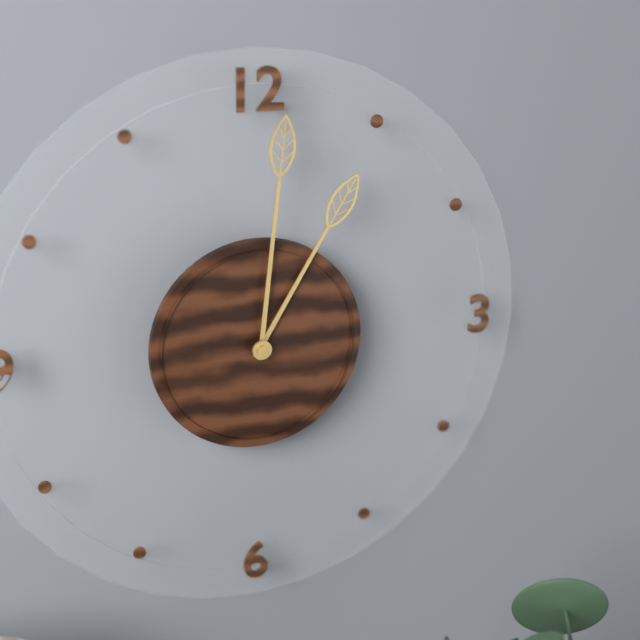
{"hour": 1, "minute": 1}
